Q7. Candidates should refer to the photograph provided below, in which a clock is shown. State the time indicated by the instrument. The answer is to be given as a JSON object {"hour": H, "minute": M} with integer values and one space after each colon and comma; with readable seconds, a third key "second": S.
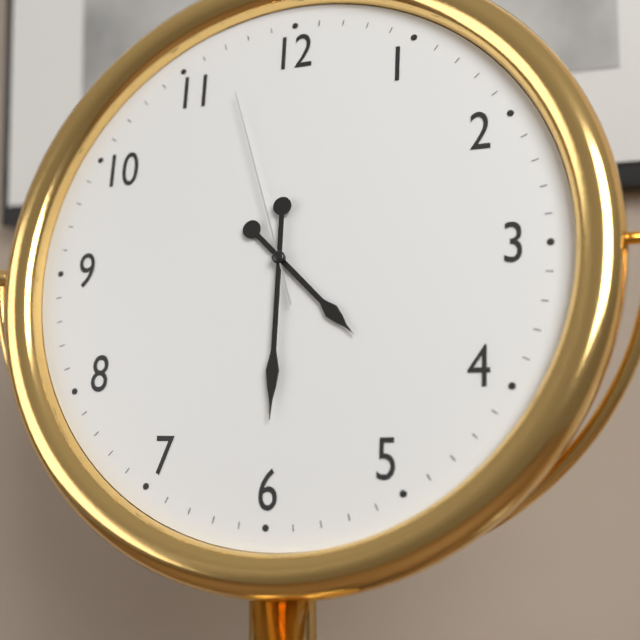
{"hour": 4, "minute": 30, "second": 57}
